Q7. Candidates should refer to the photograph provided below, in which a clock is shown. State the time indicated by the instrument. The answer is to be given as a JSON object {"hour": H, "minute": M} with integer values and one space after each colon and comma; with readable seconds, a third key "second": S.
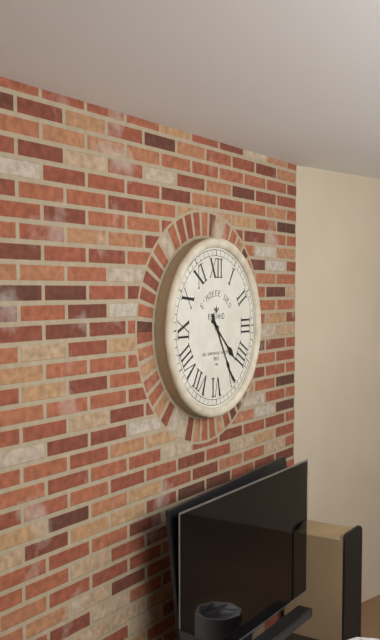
{"hour": 4, "minute": 25}
